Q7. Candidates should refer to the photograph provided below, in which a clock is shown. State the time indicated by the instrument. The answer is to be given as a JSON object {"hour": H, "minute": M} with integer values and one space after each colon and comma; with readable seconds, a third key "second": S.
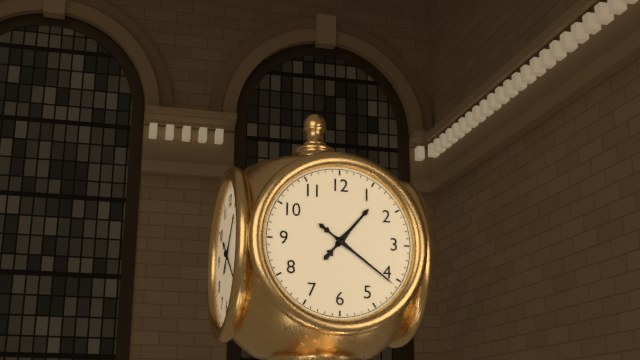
{"hour": 1, "minute": 21}
